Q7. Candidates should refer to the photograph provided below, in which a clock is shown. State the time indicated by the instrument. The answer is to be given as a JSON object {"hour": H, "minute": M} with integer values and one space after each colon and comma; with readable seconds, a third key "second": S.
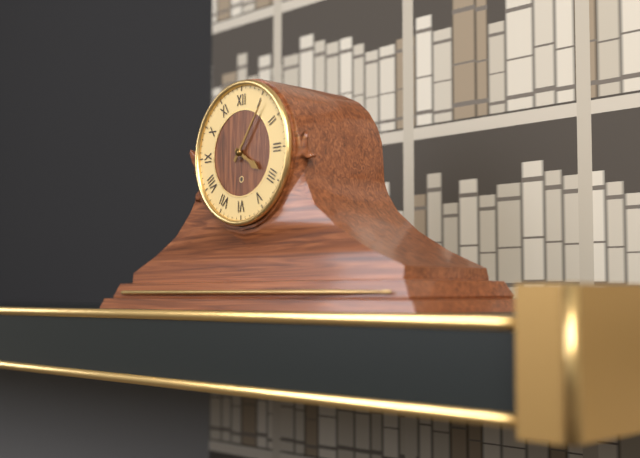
{"hour": 4, "minute": 6}
